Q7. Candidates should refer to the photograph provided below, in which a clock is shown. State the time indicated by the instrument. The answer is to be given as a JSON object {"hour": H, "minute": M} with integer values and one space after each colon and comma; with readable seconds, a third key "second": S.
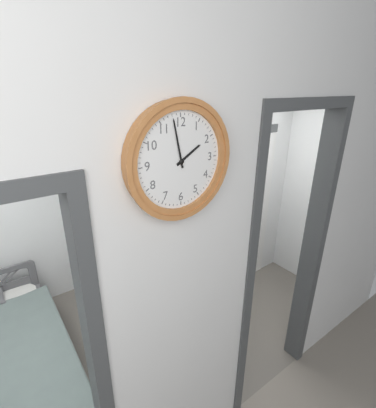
{"hour": 1, "minute": 58}
